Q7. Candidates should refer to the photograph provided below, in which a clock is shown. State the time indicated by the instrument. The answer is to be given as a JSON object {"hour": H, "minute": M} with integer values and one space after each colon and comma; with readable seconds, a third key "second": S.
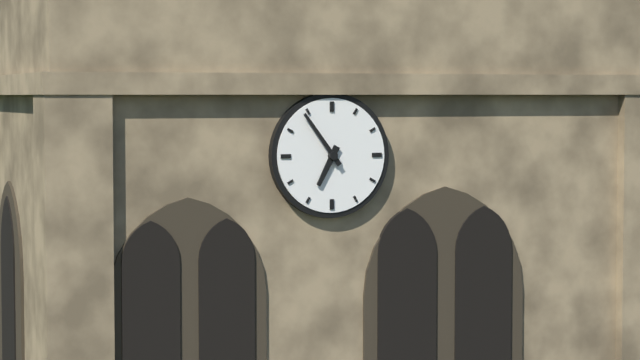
{"hour": 6, "minute": 54}
